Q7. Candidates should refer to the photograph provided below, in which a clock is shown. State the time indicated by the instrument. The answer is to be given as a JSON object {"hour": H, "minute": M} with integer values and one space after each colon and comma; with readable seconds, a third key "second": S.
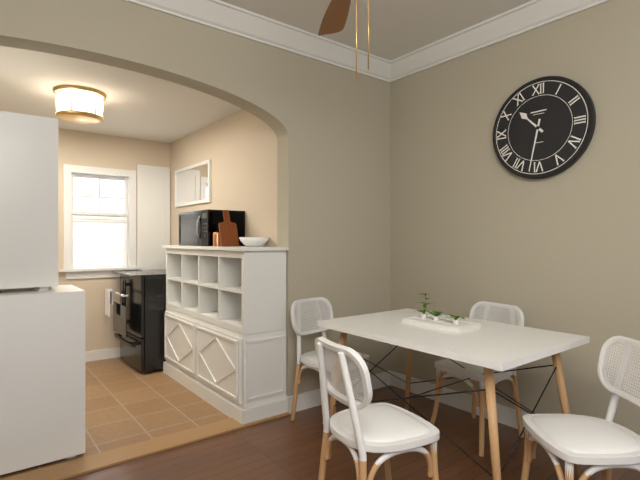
{"hour": 10, "minute": 32}
